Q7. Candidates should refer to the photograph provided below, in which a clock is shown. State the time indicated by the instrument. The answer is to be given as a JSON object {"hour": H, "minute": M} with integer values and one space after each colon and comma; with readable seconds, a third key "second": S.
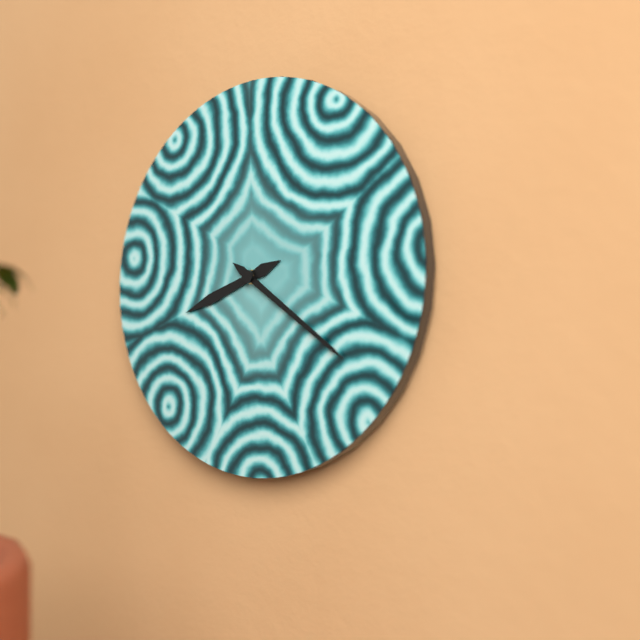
{"hour": 8, "minute": 21}
